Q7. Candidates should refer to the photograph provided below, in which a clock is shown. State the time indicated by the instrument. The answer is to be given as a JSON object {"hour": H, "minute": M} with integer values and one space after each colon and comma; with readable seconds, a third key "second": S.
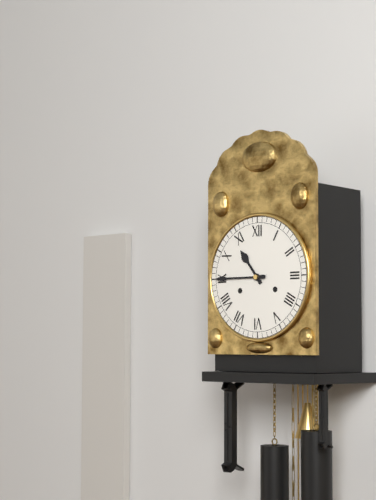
{"hour": 10, "minute": 45}
